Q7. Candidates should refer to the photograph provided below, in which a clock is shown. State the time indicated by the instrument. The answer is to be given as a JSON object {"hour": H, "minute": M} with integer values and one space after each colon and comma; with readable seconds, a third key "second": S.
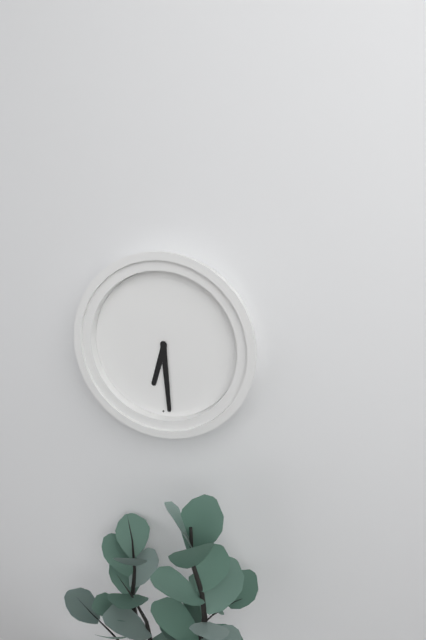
{"hour": 6, "minute": 29}
